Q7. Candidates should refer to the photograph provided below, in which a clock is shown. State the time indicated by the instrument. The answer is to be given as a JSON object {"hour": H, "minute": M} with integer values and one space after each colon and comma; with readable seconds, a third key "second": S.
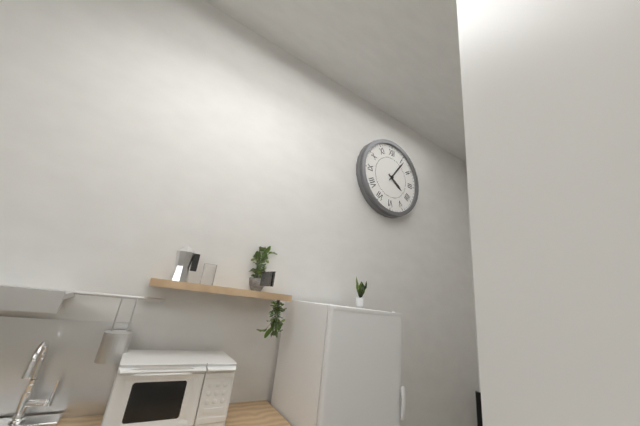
{"hour": 4, "minute": 6}
